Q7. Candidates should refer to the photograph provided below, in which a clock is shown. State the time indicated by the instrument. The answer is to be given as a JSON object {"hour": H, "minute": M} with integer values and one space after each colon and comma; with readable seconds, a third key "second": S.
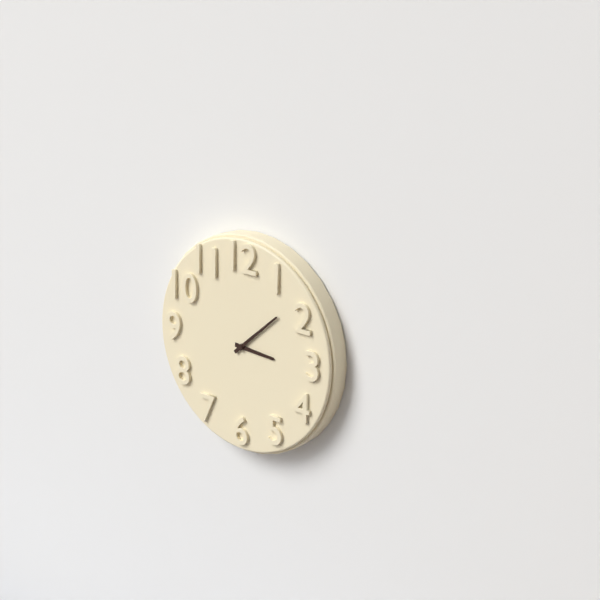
{"hour": 3, "minute": 8}
